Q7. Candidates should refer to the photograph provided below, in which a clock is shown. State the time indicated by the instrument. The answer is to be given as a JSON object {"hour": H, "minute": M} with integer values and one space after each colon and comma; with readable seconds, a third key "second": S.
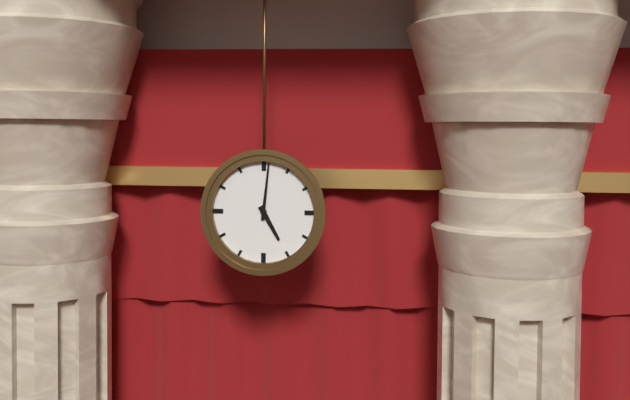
{"hour": 5, "minute": 1}
